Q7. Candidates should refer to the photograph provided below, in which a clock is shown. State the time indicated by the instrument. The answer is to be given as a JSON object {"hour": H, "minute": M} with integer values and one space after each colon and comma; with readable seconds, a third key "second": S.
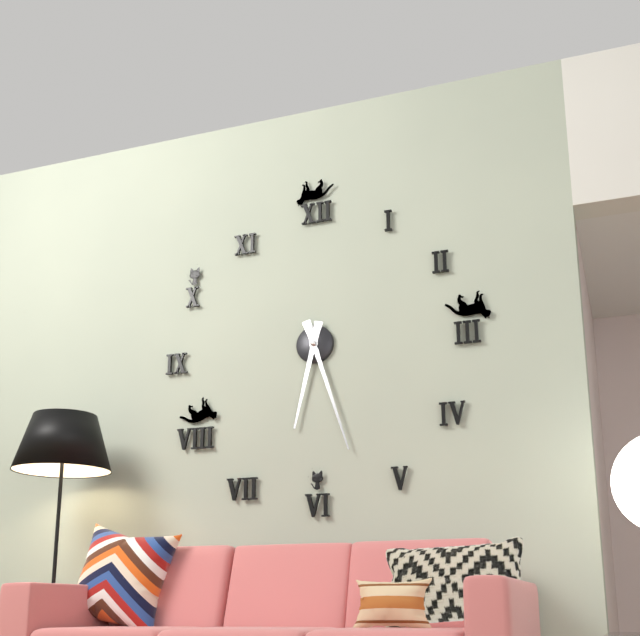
{"hour": 6, "minute": 27}
